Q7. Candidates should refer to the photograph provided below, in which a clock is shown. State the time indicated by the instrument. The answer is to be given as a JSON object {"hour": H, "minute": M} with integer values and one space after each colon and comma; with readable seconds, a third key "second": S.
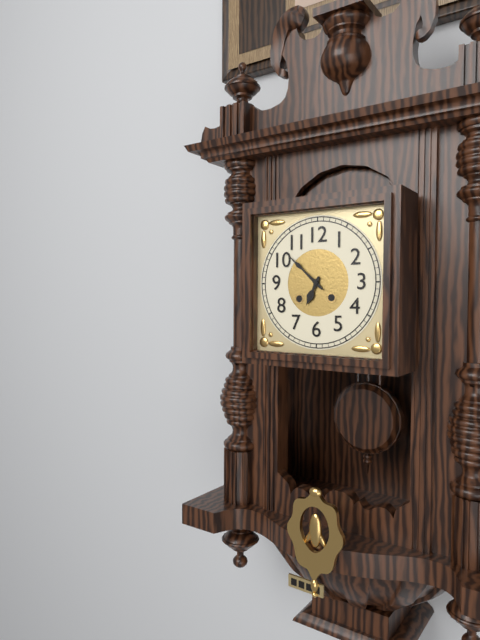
{"hour": 6, "minute": 52}
